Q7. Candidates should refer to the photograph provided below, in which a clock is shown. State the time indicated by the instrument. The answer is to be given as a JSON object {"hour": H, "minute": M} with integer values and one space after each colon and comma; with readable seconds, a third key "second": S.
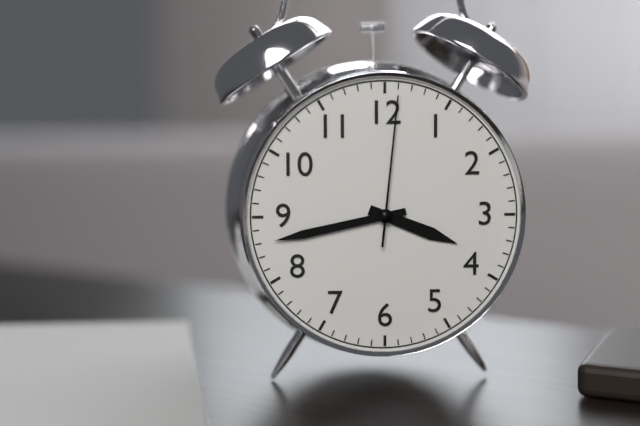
{"hour": 3, "minute": 43, "second": 1}
